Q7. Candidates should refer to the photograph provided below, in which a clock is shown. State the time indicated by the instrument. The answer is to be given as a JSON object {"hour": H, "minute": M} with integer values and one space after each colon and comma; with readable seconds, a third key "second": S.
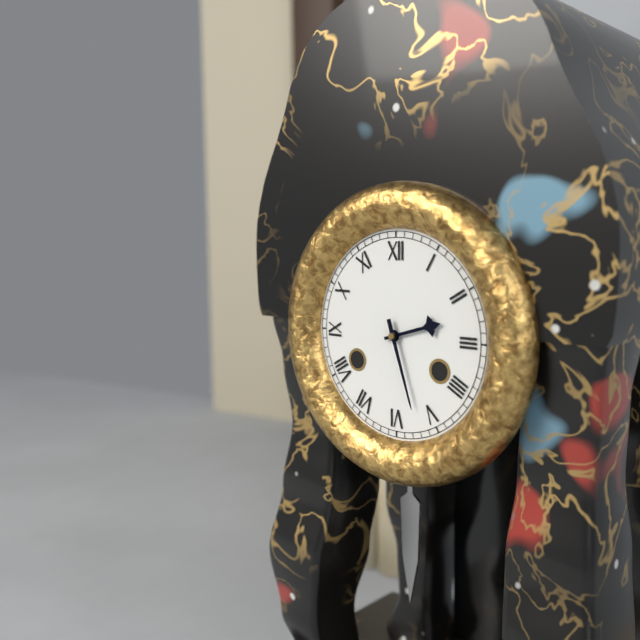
{"hour": 2, "minute": 27}
